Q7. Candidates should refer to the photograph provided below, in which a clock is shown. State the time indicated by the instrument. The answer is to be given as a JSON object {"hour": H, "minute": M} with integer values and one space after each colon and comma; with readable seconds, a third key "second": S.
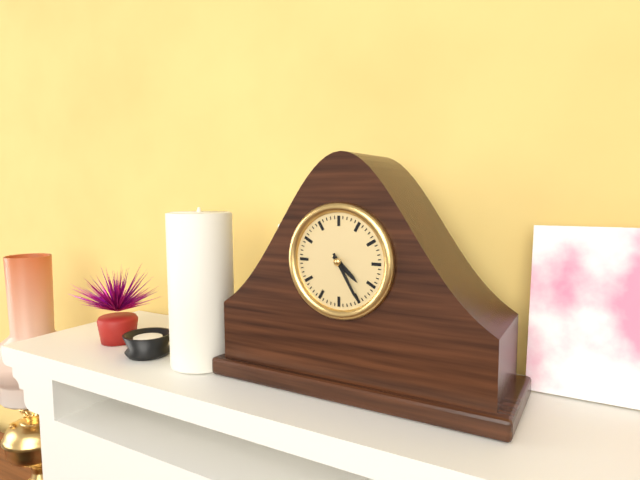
{"hour": 4, "minute": 25}
